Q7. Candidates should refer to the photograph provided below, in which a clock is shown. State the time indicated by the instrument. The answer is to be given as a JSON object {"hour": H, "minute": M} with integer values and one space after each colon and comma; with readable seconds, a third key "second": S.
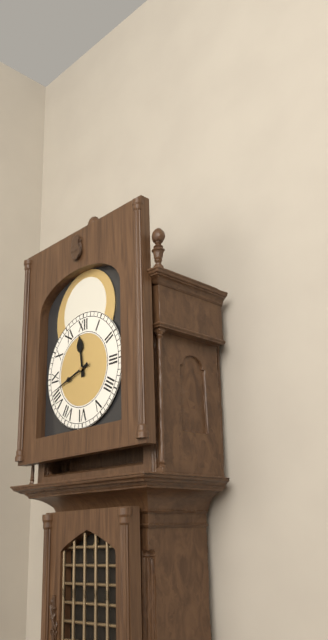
{"hour": 11, "minute": 42}
